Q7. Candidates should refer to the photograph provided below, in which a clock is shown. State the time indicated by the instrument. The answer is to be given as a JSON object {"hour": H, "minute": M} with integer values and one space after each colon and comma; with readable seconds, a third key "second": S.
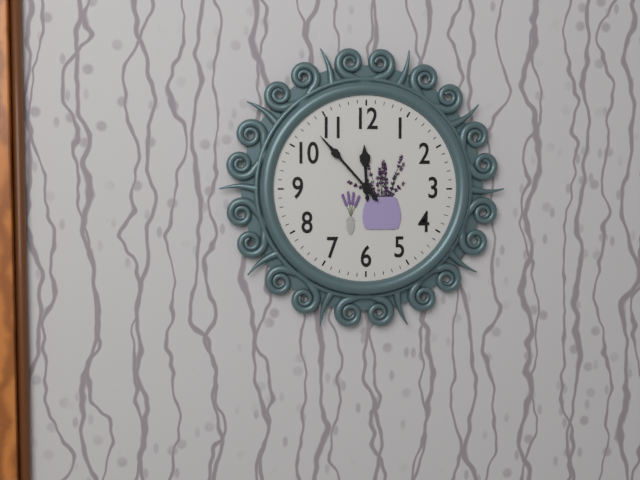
{"hour": 11, "minute": 53}
